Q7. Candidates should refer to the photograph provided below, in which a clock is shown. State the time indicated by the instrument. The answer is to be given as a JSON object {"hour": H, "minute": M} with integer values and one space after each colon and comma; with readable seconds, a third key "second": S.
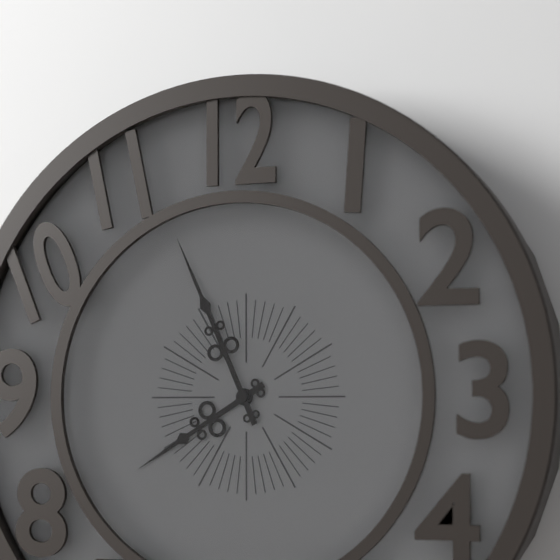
{"hour": 7, "minute": 56}
